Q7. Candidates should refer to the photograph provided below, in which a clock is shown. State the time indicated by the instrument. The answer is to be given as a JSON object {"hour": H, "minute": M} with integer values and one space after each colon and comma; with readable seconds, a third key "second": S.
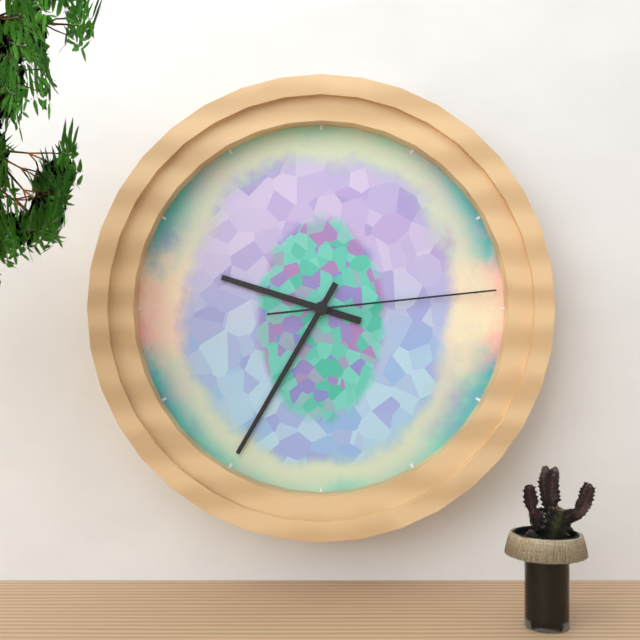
{"hour": 9, "minute": 35, "second": 14}
